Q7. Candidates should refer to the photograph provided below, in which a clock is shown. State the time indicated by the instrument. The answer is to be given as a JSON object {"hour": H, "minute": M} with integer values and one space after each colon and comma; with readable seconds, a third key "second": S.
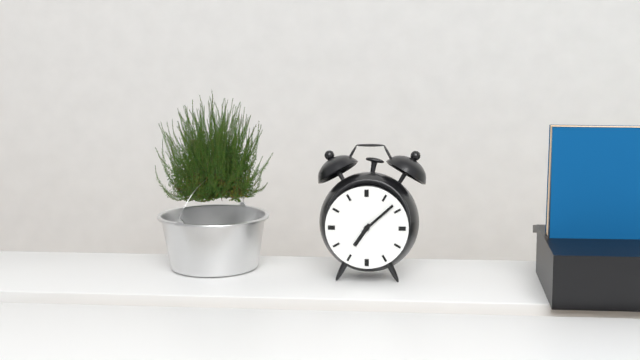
{"hour": 7, "minute": 8}
